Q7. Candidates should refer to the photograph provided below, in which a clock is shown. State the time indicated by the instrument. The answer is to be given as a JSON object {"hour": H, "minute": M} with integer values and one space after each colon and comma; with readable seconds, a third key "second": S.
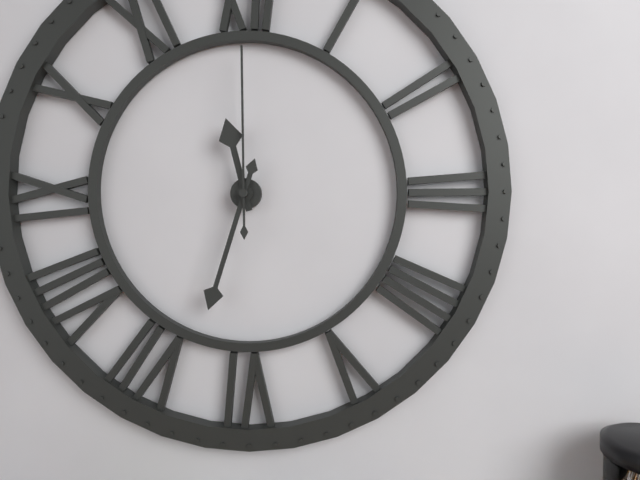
{"hour": 11, "minute": 33, "second": 0}
